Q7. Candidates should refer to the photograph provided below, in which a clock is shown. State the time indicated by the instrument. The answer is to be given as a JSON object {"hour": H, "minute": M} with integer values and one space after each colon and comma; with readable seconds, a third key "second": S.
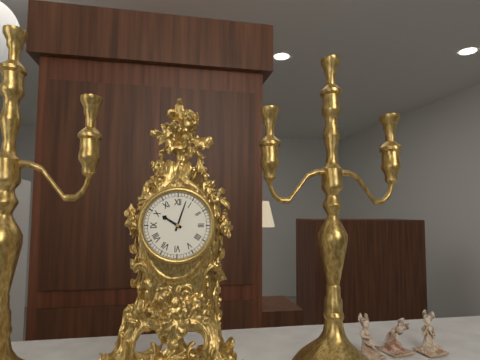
{"hour": 10, "minute": 3}
